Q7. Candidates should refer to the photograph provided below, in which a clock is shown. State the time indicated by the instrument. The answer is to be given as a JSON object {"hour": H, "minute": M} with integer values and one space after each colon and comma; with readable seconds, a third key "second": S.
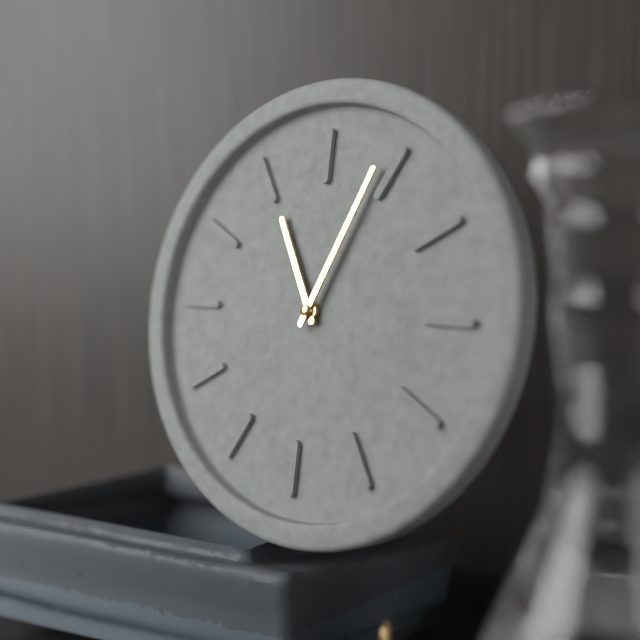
{"hour": 11, "minute": 4}
